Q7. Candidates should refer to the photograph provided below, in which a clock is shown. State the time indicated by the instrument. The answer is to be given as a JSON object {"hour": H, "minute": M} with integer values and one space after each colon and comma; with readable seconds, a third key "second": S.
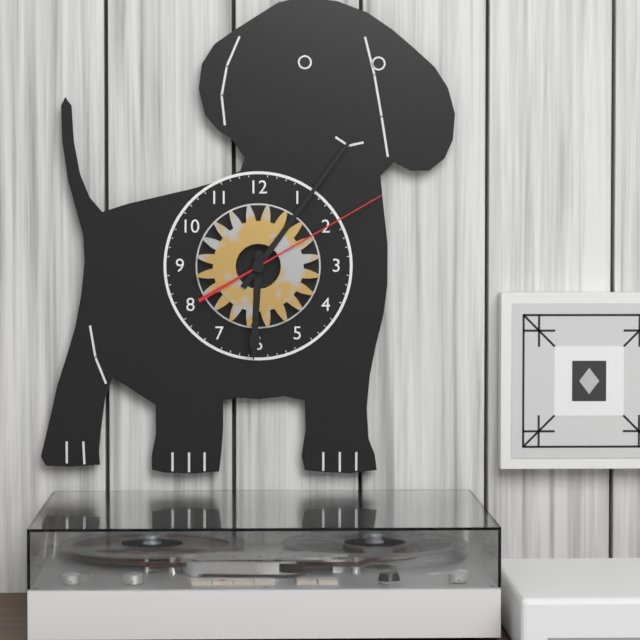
{"hour": 6, "minute": 6, "second": 10}
